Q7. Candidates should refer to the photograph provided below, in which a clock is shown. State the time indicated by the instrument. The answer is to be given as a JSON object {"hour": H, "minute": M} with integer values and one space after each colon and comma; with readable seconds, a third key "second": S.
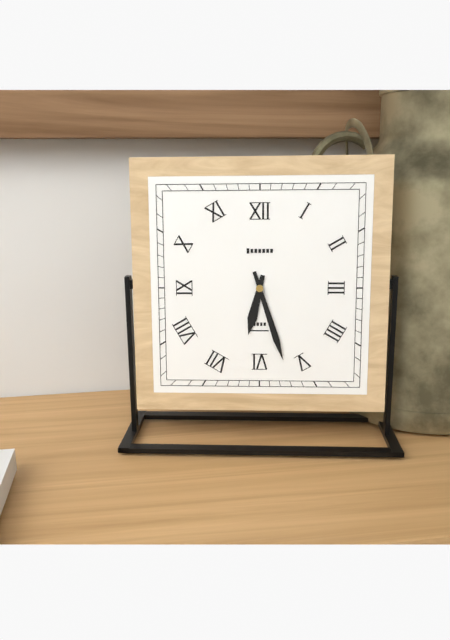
{"hour": 6, "minute": 27}
